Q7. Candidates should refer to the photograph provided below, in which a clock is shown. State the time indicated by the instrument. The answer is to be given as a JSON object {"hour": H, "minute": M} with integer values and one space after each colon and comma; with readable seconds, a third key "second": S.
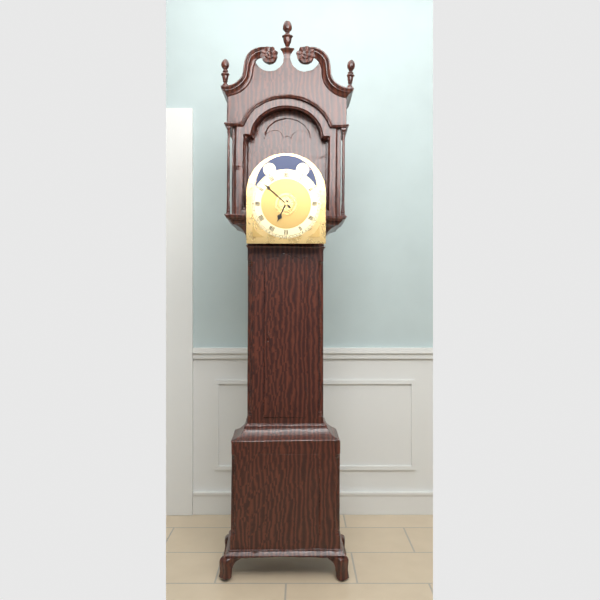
{"hour": 6, "minute": 52}
